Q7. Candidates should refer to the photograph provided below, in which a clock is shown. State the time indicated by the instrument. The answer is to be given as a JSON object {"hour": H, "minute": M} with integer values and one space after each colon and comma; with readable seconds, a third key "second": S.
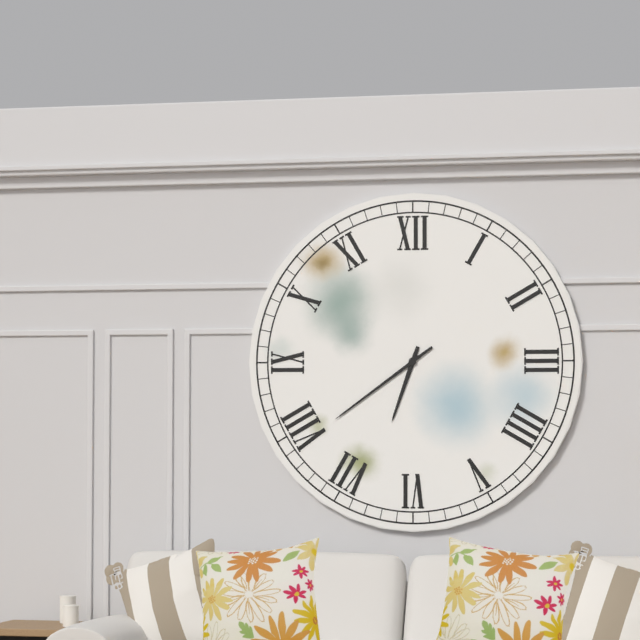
{"hour": 6, "minute": 39}
